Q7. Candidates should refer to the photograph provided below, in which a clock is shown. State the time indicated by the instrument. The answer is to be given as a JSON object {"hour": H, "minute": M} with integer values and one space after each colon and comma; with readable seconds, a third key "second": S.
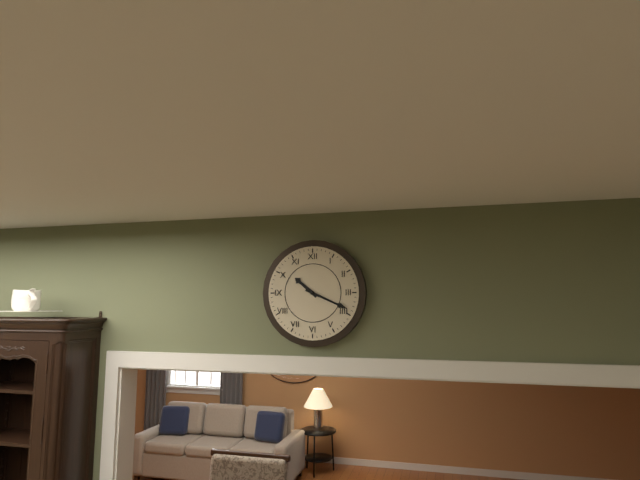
{"hour": 10, "minute": 19}
